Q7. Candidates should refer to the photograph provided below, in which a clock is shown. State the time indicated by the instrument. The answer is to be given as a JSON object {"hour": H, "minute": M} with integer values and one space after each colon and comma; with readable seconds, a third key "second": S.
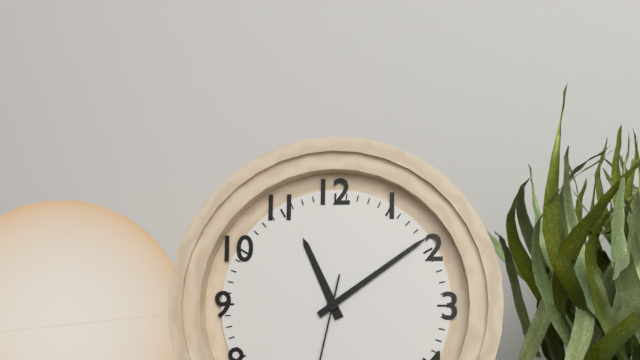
{"hour": 11, "minute": 9}
